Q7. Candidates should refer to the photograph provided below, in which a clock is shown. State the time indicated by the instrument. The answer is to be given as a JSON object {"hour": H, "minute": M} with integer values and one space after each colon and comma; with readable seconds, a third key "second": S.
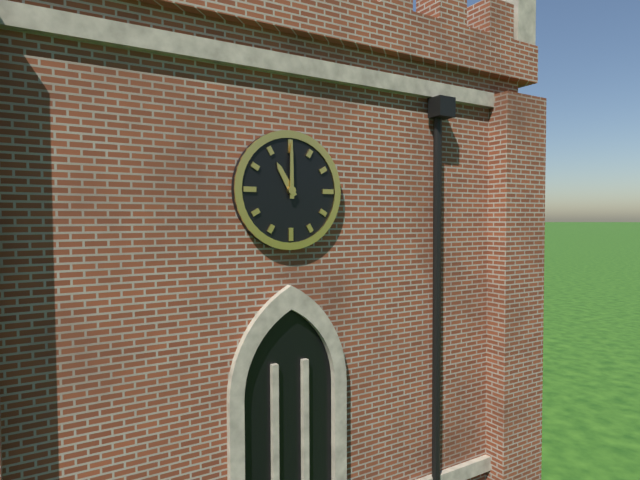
{"hour": 11, "minute": 0}
